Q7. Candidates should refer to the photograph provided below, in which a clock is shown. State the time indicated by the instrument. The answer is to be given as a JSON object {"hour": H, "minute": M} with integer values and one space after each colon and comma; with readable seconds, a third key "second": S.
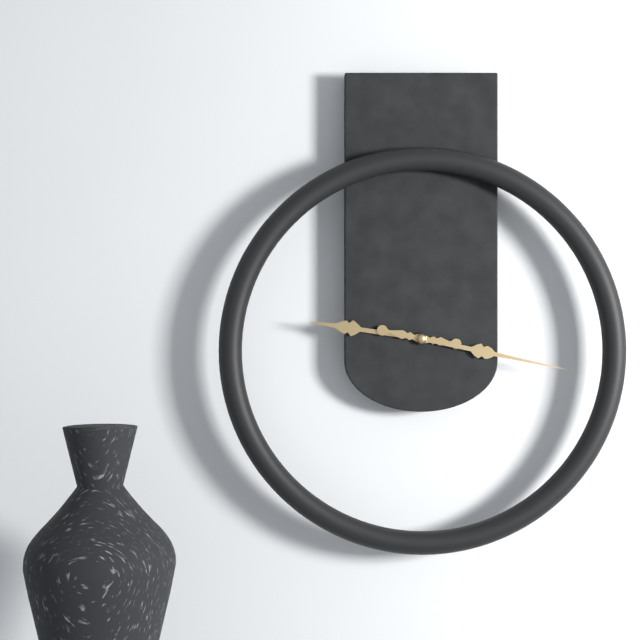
{"hour": 9, "minute": 17}
